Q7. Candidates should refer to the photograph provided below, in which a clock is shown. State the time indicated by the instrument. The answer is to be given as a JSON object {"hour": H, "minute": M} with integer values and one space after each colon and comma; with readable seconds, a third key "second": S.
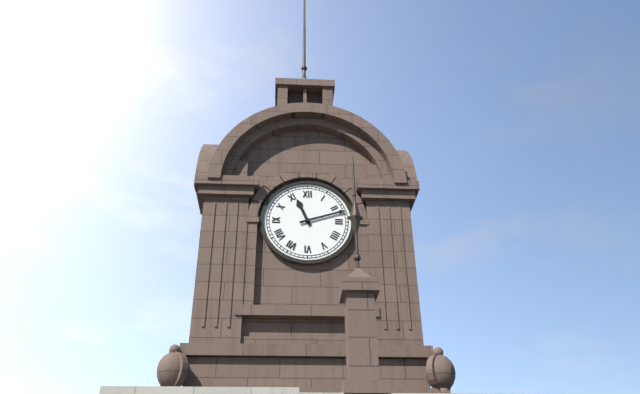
{"hour": 11, "minute": 12}
